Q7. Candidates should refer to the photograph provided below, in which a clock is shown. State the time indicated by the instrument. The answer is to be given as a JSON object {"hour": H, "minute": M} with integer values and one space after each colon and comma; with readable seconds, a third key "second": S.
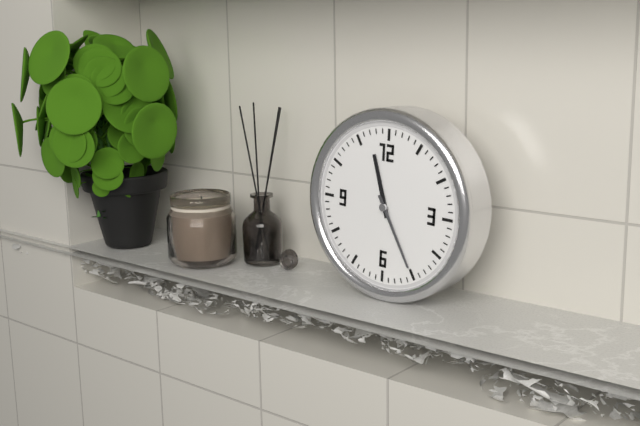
{"hour": 11, "minute": 25}
